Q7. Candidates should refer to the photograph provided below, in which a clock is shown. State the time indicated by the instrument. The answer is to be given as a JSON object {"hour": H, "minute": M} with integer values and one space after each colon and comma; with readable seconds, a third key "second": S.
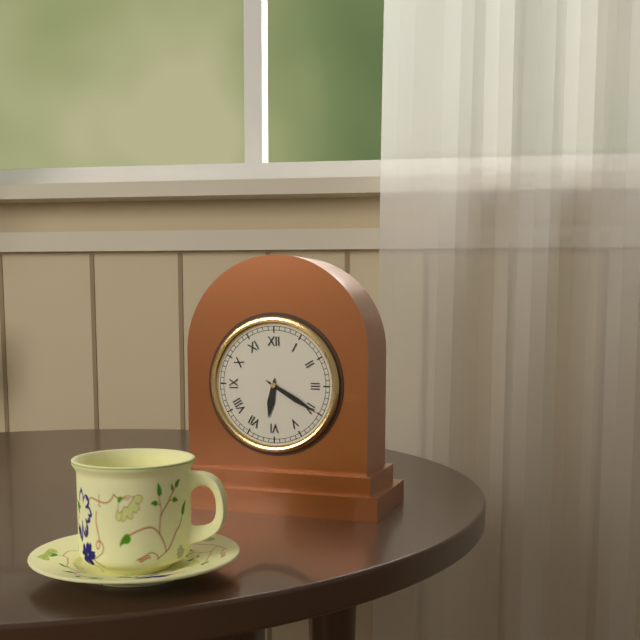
{"hour": 6, "minute": 20}
